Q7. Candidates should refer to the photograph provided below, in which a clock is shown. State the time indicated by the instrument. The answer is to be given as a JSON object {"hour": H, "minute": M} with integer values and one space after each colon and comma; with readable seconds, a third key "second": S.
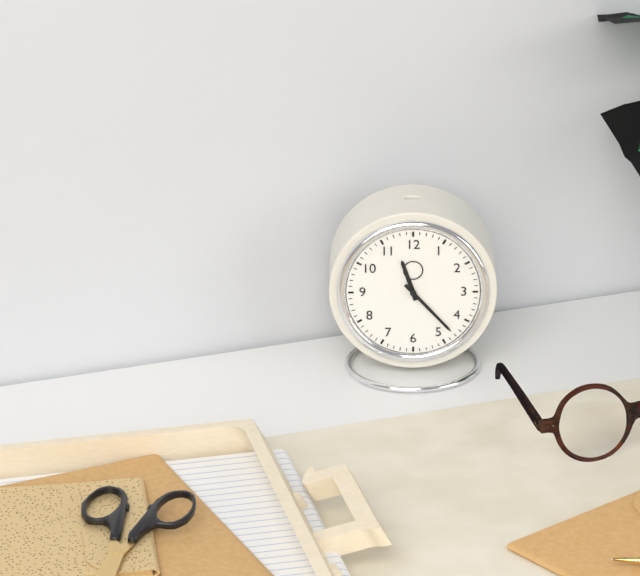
{"hour": 11, "minute": 23}
